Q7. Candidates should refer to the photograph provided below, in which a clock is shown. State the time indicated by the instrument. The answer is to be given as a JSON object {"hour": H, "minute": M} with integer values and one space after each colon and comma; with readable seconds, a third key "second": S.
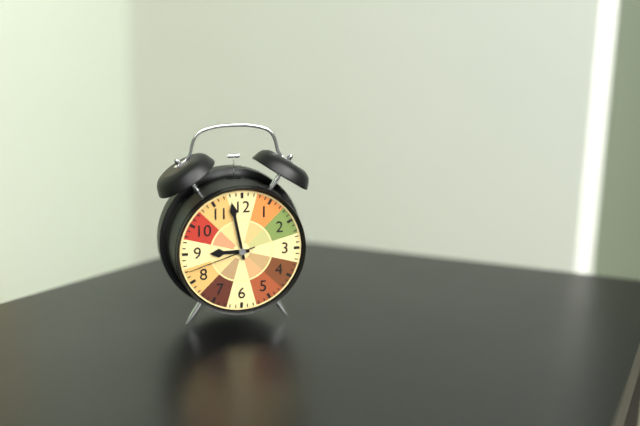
{"hour": 8, "minute": 58, "second": 42}
